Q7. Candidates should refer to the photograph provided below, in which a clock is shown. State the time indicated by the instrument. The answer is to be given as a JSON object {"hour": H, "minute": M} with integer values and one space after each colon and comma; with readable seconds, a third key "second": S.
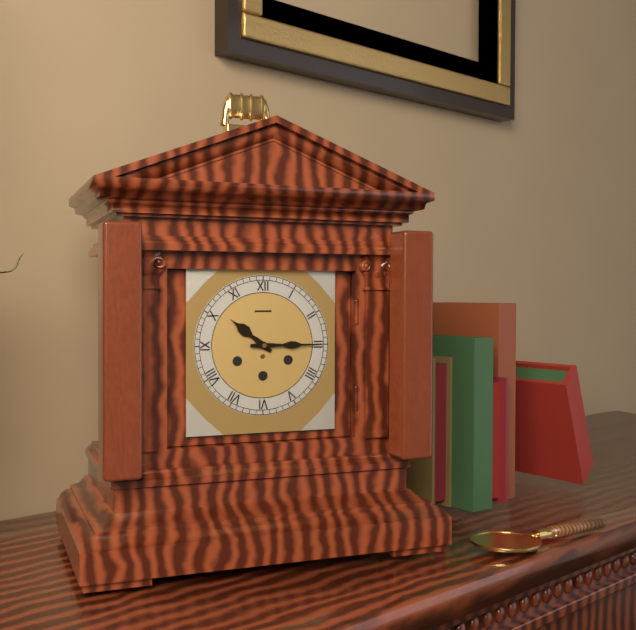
{"hour": 10, "minute": 15}
